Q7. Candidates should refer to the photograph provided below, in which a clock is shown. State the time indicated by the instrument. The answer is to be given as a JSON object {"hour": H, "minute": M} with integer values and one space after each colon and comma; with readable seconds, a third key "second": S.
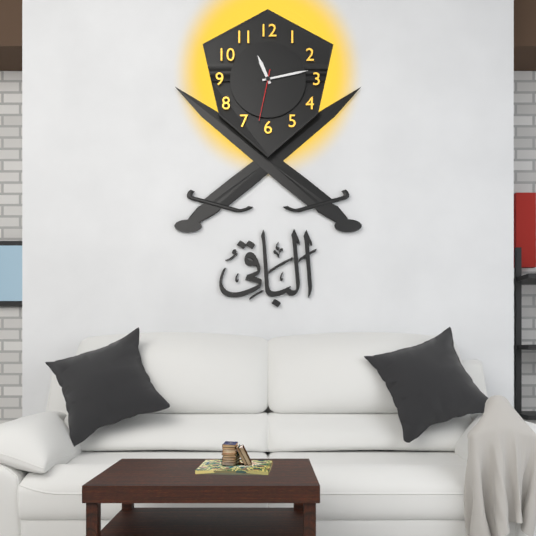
{"hour": 11, "minute": 13, "second": 32}
